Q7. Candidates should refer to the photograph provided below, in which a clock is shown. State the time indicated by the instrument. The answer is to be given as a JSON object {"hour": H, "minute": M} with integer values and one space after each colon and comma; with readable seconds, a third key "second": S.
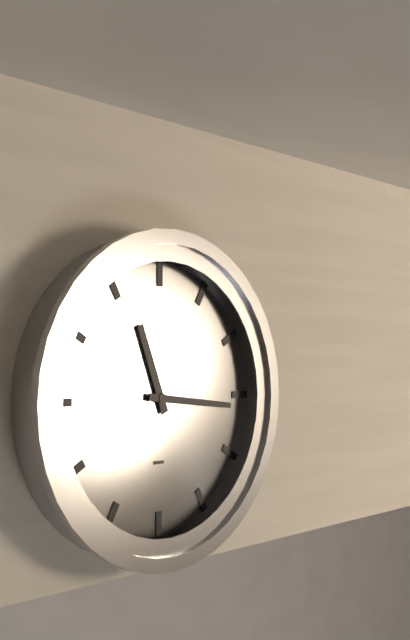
{"hour": 11, "minute": 16}
